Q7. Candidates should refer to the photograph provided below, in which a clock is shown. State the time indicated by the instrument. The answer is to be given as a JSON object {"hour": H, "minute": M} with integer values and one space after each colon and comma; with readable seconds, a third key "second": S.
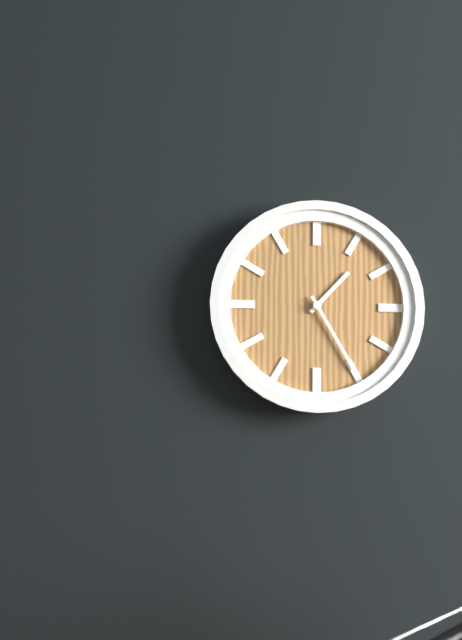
{"hour": 1, "minute": 25}
